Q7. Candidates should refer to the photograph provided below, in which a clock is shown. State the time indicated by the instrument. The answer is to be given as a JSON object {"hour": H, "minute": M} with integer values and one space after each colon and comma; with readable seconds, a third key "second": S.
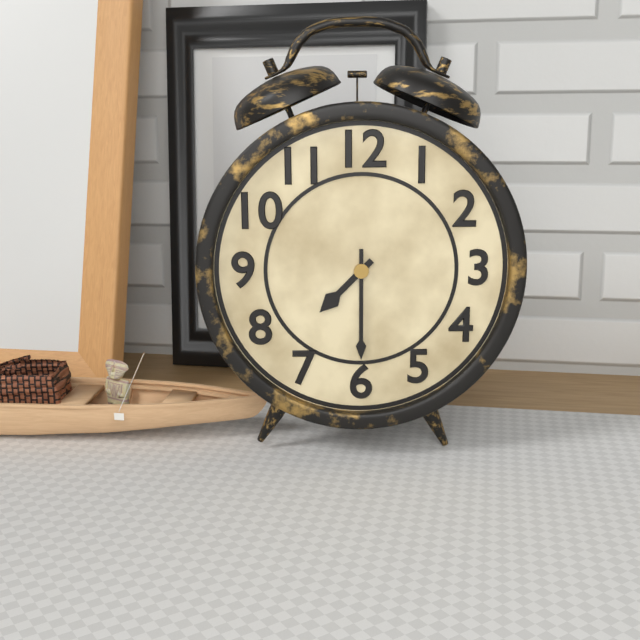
{"hour": 7, "minute": 30}
